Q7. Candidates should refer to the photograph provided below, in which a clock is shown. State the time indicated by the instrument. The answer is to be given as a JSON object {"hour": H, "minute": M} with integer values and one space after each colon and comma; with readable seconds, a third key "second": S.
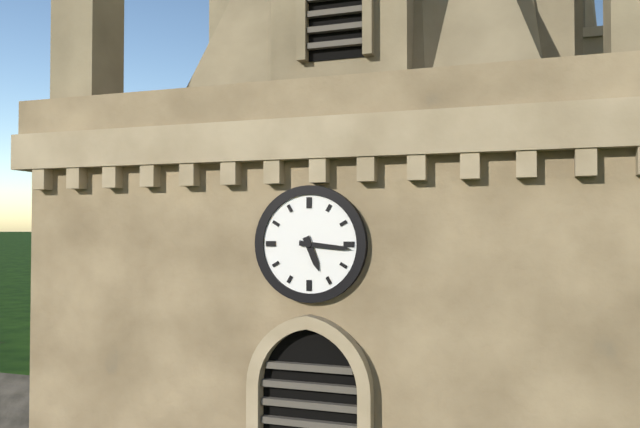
{"hour": 5, "minute": 16}
